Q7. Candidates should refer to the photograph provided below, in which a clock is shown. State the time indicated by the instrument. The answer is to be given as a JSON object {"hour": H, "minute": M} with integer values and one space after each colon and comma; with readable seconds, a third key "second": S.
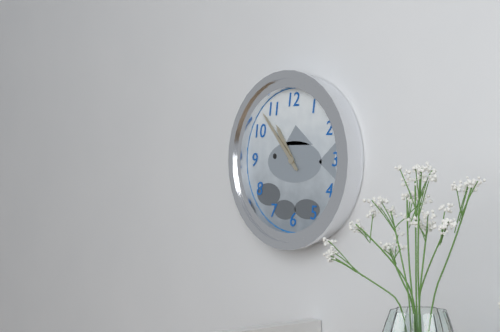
{"hour": 10, "minute": 53}
